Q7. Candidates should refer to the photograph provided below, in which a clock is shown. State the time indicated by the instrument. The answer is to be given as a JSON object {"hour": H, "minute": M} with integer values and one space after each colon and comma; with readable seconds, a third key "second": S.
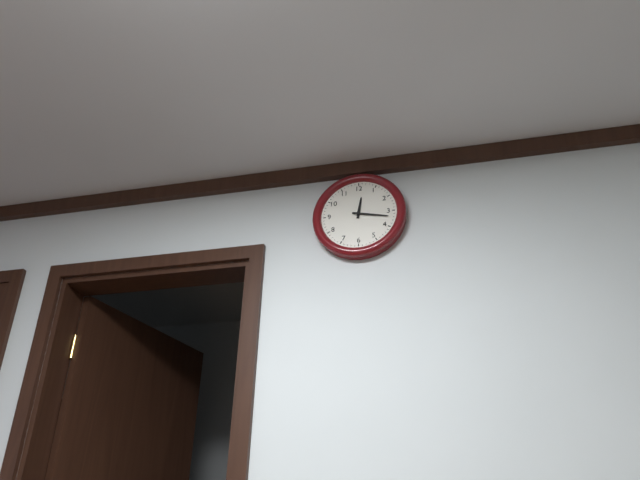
{"hour": 12, "minute": 17}
